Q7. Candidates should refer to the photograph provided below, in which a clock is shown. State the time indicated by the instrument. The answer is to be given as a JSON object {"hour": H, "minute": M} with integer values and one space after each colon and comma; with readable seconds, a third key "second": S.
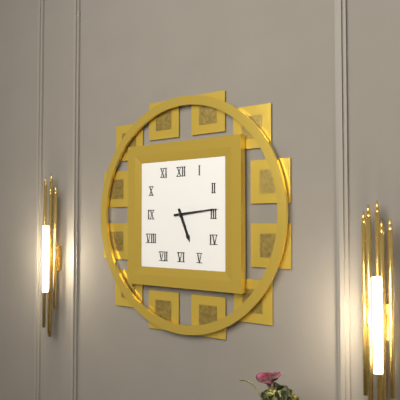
{"hour": 5, "minute": 14}
